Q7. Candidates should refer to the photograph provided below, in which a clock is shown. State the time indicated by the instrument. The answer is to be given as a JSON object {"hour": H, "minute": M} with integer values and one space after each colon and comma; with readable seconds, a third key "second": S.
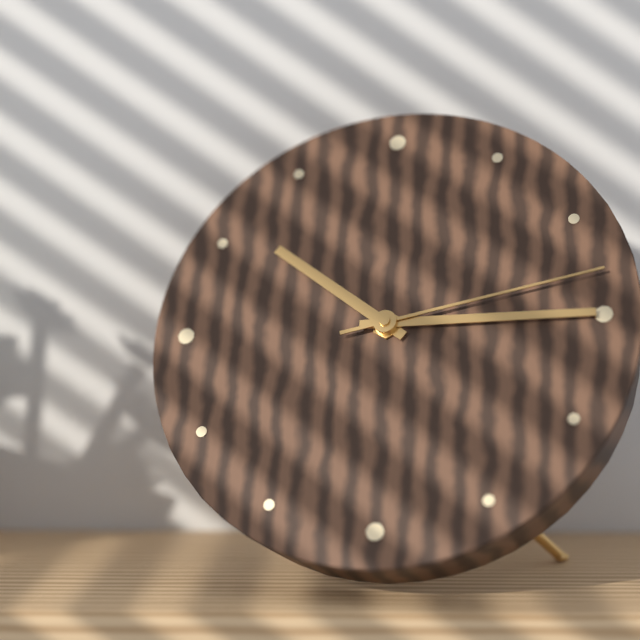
{"hour": 10, "minute": 15, "second": 13}
